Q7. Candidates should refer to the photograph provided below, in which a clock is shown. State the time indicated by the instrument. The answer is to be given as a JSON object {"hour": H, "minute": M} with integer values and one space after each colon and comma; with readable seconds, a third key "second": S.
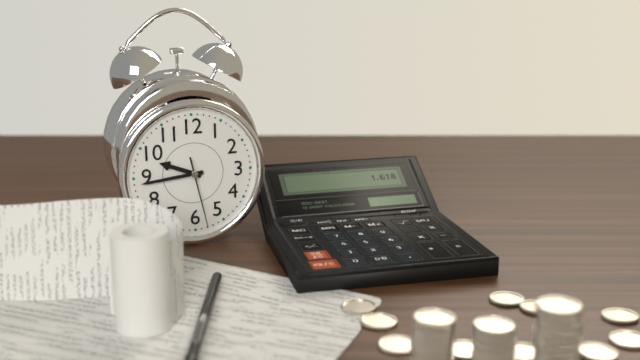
{"hour": 9, "minute": 44, "second": 28}
